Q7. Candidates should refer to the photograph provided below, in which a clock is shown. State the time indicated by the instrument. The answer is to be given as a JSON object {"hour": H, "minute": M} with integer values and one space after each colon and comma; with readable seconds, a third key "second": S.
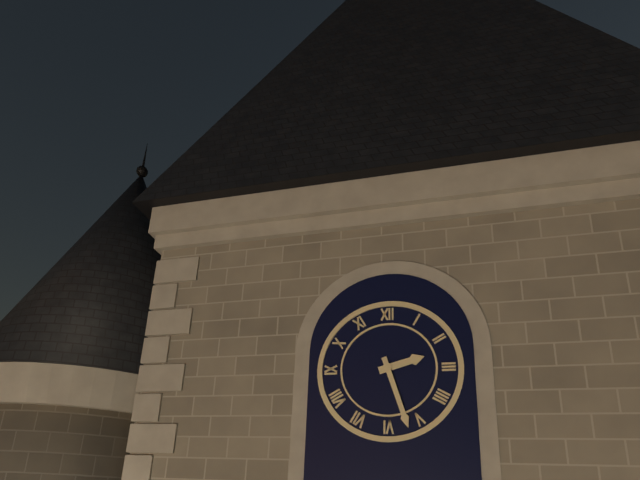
{"hour": 2, "minute": 27}
